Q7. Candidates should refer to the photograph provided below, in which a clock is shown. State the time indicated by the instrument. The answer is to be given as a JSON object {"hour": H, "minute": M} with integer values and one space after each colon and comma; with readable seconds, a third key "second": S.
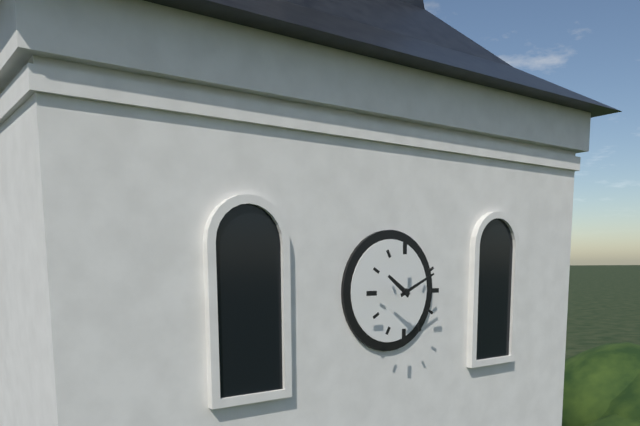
{"hour": 10, "minute": 11}
